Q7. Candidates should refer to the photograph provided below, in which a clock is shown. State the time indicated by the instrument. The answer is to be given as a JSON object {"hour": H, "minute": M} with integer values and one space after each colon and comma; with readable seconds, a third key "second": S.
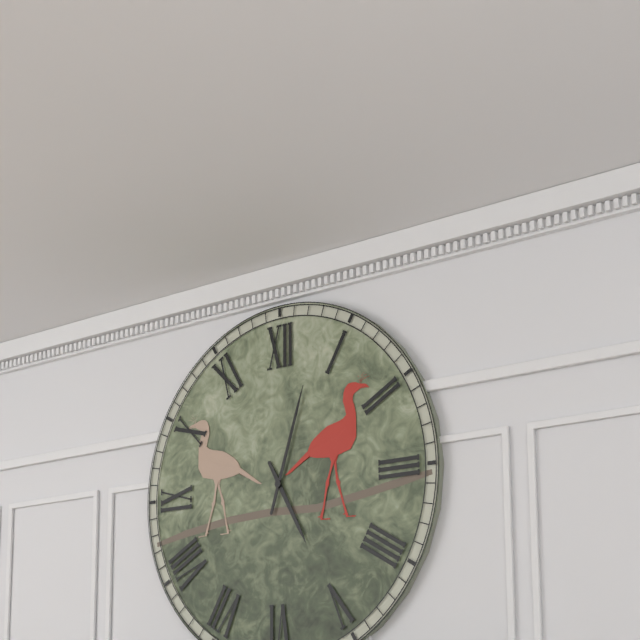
{"hour": 5, "minute": 3}
